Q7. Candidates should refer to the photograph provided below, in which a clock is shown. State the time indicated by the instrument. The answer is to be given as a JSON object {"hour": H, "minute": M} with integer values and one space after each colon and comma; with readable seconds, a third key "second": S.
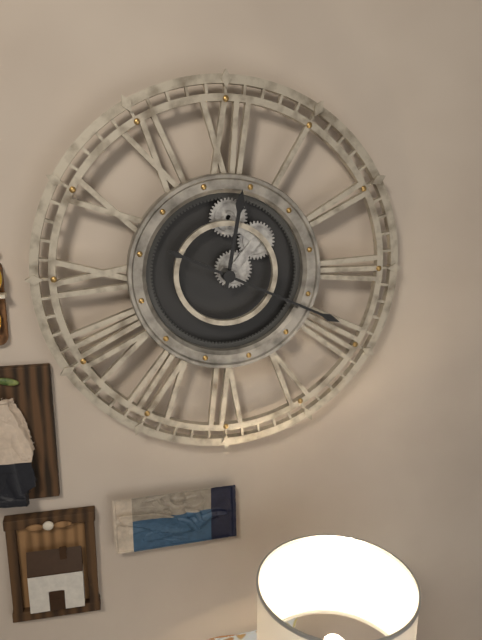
{"hour": 12, "minute": 19}
